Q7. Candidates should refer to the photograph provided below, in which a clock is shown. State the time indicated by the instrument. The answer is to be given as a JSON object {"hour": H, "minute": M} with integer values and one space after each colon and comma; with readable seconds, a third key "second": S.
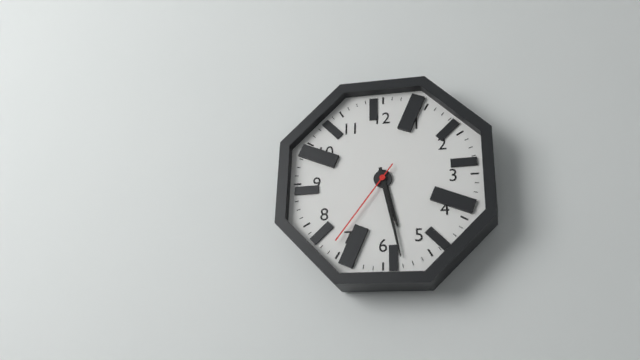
{"hour": 5, "minute": 28, "second": 36}
